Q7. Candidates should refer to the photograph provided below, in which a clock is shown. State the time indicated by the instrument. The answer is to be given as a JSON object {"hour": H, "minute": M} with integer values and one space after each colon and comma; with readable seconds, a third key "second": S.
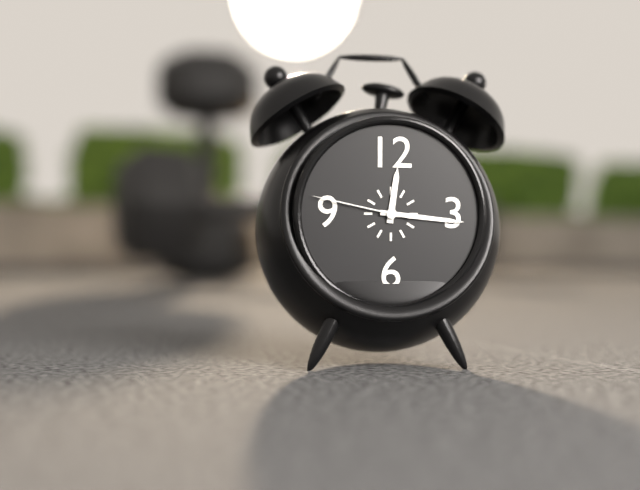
{"hour": 12, "minute": 16, "second": 47}
